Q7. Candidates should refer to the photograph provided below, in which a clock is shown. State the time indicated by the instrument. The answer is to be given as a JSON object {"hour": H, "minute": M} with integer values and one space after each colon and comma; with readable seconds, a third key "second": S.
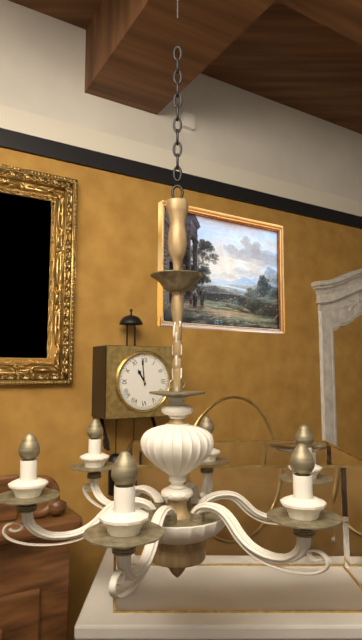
{"hour": 10, "minute": 59}
